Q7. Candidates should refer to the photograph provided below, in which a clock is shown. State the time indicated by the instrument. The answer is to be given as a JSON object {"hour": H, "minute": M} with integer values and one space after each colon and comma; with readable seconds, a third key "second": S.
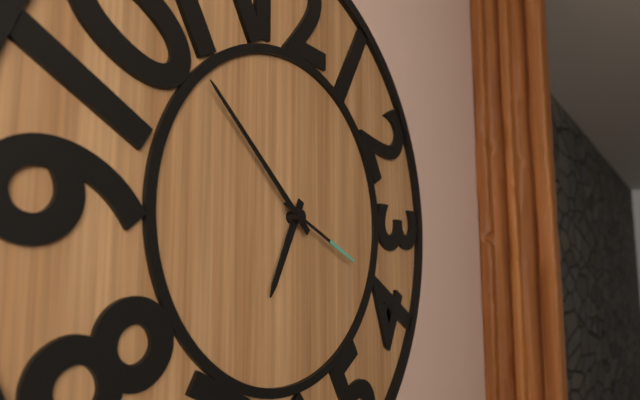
{"hour": 6, "minute": 52, "second": 19}
